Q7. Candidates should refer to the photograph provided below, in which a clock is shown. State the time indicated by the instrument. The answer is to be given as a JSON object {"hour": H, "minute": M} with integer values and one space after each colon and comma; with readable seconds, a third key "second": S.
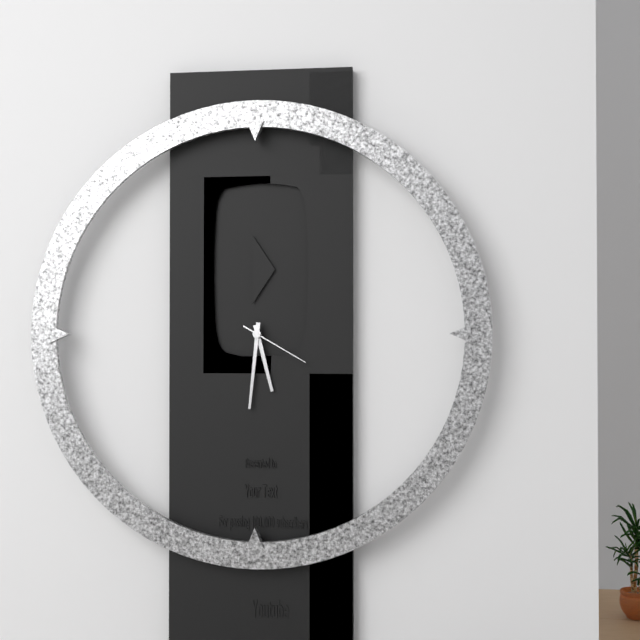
{"hour": 5, "minute": 31, "second": 20}
